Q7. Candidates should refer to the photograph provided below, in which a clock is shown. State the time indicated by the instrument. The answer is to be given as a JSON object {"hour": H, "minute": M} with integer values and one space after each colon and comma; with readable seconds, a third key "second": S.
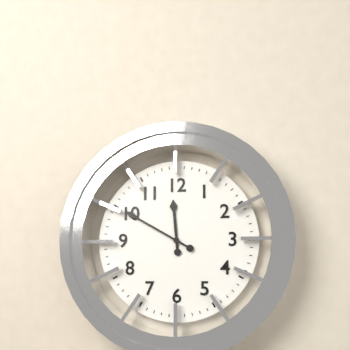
{"hour": 11, "minute": 50}
